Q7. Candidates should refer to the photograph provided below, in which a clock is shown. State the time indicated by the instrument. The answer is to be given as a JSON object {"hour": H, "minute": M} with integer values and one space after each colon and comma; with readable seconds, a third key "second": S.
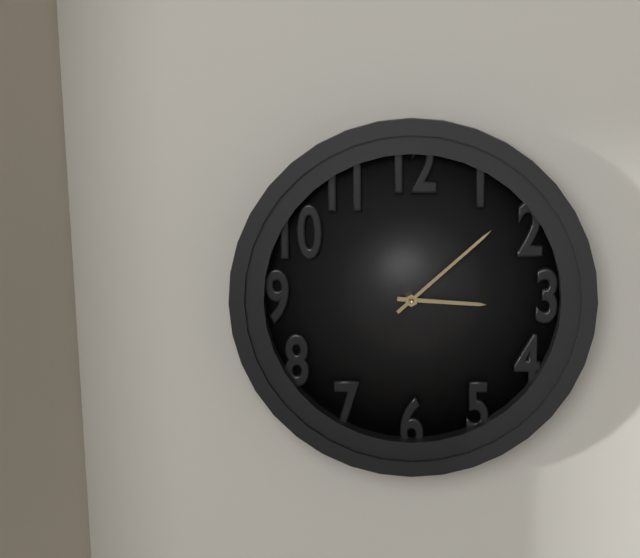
{"hour": 3, "minute": 8}
